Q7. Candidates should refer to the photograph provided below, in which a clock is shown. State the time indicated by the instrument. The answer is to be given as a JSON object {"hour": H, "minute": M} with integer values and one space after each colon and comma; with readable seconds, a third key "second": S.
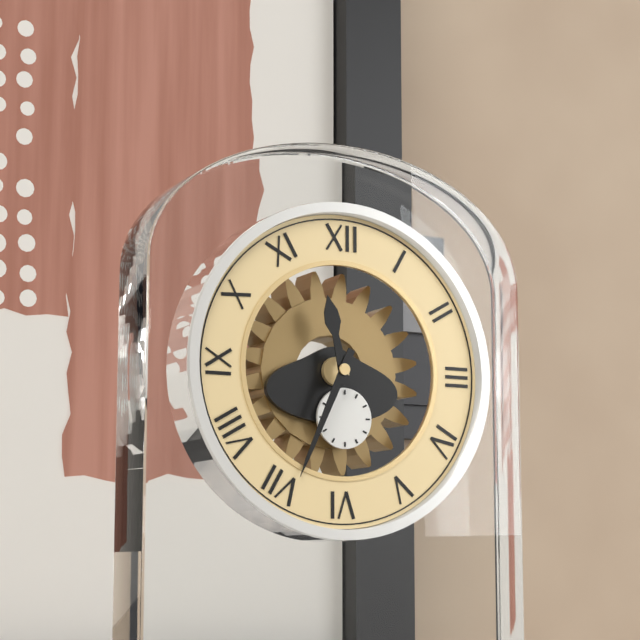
{"hour": 11, "minute": 34}
